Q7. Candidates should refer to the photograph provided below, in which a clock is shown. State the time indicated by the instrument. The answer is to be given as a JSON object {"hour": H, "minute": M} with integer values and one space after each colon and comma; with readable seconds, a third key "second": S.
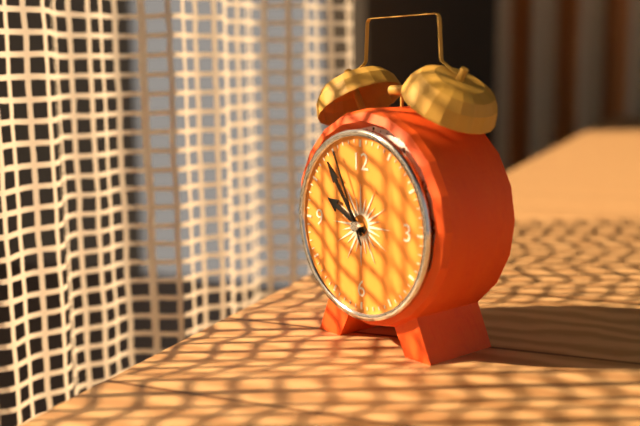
{"hour": 9, "minute": 54, "second": 56}
